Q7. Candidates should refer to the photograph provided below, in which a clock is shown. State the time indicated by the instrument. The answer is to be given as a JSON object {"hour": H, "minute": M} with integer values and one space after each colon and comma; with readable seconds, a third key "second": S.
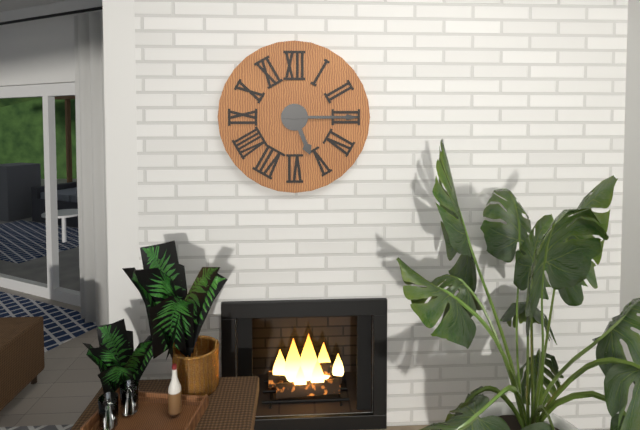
{"hour": 5, "minute": 15}
